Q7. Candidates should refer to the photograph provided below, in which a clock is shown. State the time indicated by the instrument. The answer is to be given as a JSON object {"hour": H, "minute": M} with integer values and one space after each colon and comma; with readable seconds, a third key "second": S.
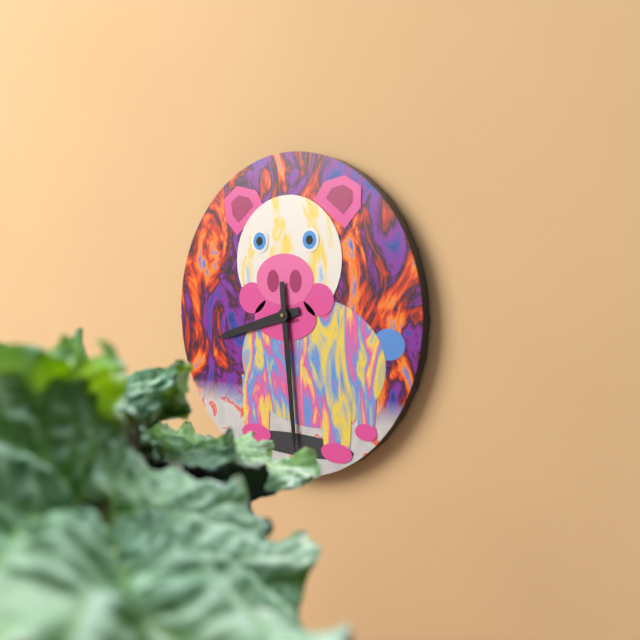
{"hour": 8, "minute": 29}
